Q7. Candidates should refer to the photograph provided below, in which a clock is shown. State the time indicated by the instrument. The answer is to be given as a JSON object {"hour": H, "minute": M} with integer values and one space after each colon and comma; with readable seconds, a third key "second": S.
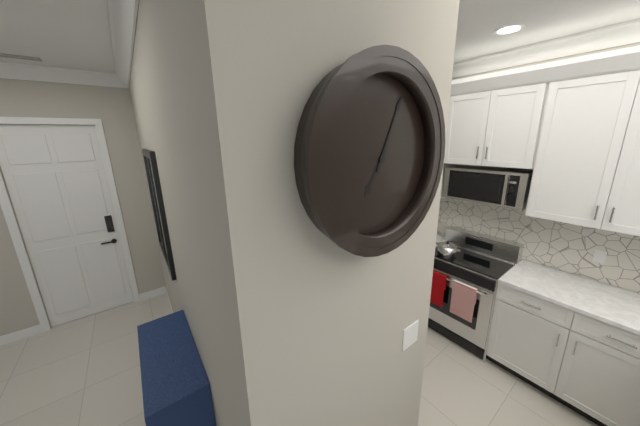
{"hour": 7, "minute": 4}
